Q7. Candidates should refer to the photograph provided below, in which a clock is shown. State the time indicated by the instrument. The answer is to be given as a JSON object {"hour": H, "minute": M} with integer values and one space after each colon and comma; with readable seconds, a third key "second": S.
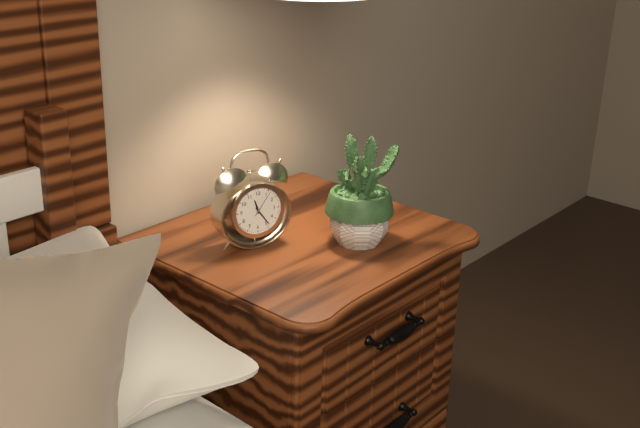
{"hour": 11, "minute": 24}
